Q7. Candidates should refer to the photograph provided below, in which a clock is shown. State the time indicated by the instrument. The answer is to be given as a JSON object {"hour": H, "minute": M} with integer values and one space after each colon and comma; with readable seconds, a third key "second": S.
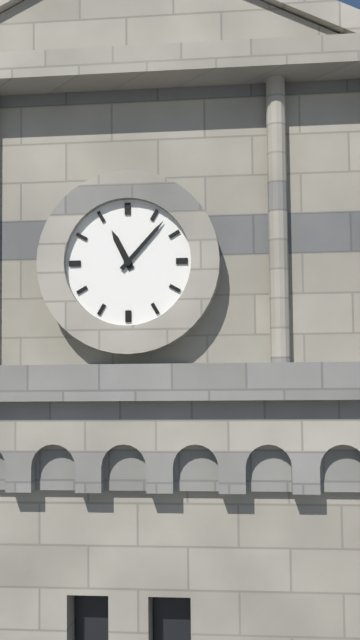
{"hour": 11, "minute": 7}
